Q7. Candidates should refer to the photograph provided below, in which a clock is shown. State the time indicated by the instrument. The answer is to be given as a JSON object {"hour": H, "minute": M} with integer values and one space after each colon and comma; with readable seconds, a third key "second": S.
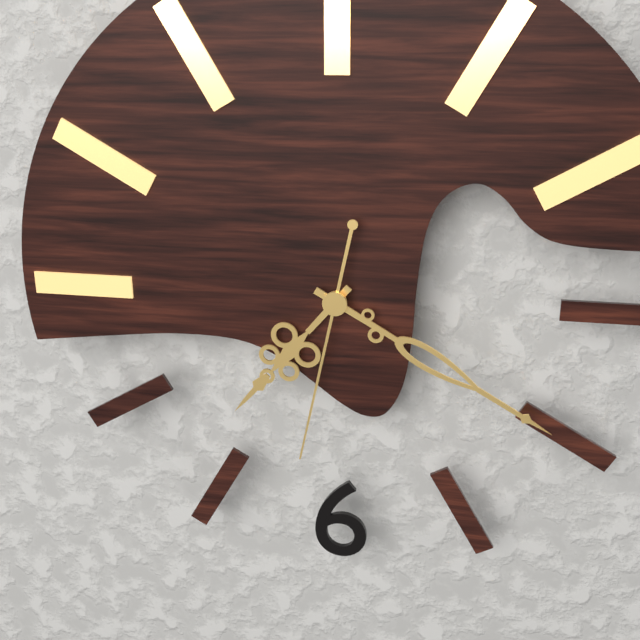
{"hour": 7, "minute": 20, "second": 32}
